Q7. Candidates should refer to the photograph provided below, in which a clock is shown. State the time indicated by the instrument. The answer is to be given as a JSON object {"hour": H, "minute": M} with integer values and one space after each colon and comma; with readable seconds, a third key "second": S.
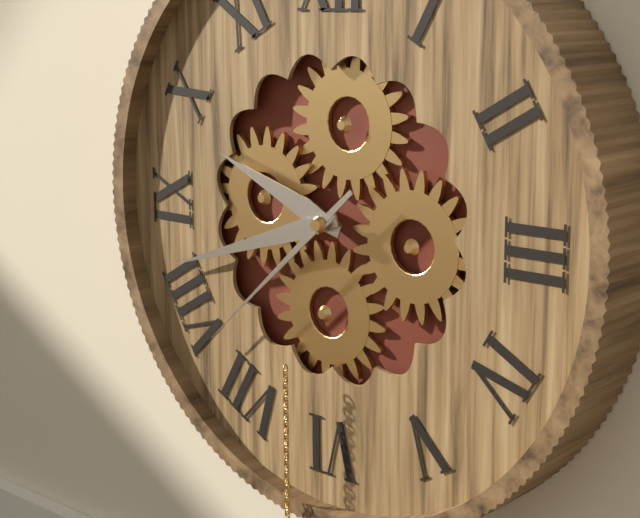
{"hour": 9, "minute": 42, "second": 38}
